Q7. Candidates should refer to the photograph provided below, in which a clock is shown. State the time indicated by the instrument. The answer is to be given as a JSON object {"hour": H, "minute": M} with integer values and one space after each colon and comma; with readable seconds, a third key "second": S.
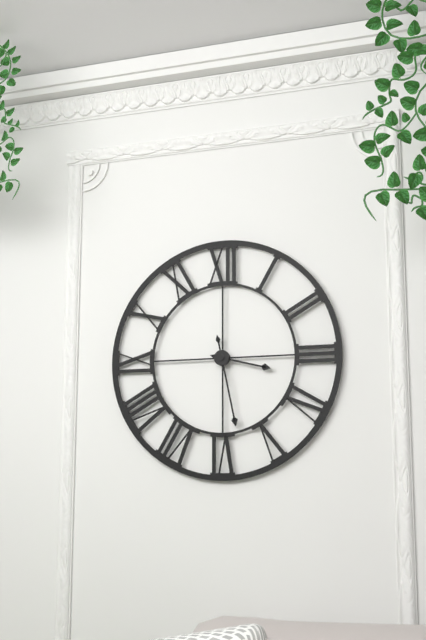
{"hour": 3, "minute": 28}
